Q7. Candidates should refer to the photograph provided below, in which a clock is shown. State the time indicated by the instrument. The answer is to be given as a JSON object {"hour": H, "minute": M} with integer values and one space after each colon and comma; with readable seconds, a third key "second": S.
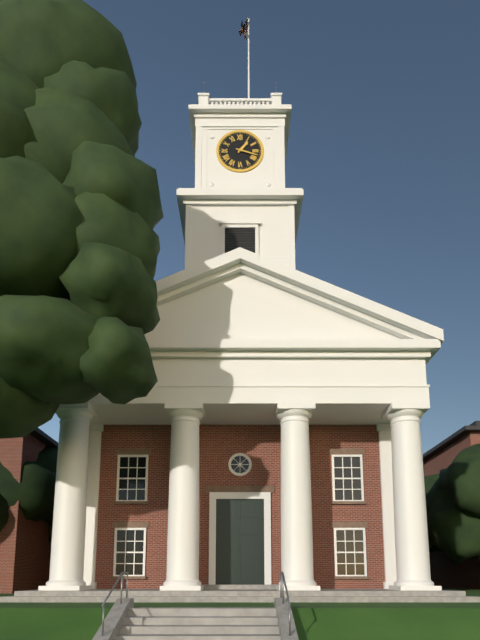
{"hour": 1, "minute": 18}
